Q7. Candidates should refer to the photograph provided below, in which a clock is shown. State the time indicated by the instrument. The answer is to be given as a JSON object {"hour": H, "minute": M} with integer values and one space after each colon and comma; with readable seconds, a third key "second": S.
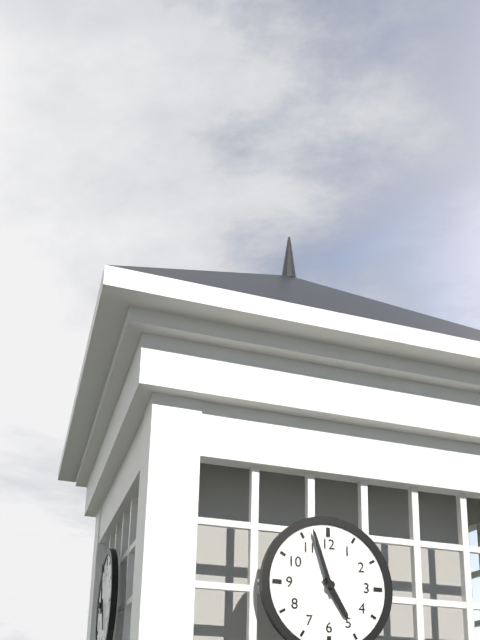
{"hour": 4, "minute": 57}
